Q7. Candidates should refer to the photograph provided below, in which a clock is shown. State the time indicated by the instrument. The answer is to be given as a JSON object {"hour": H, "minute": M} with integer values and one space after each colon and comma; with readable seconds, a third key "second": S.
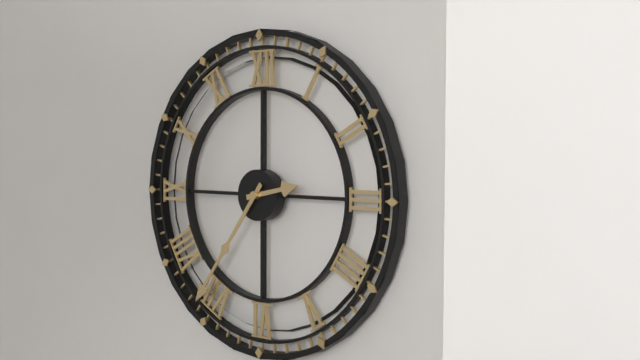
{"hour": 2, "minute": 36}
